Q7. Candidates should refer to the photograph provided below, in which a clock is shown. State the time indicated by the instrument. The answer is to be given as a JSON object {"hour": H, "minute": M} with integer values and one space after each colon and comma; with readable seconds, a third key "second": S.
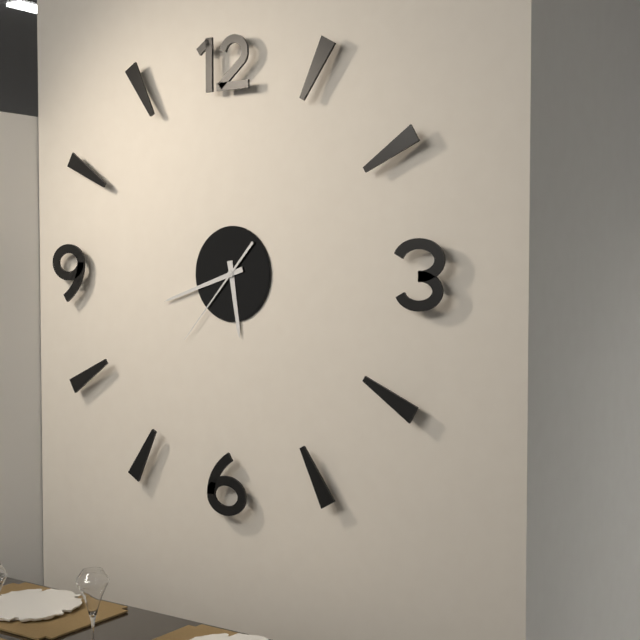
{"hour": 5, "minute": 42, "second": 37}
